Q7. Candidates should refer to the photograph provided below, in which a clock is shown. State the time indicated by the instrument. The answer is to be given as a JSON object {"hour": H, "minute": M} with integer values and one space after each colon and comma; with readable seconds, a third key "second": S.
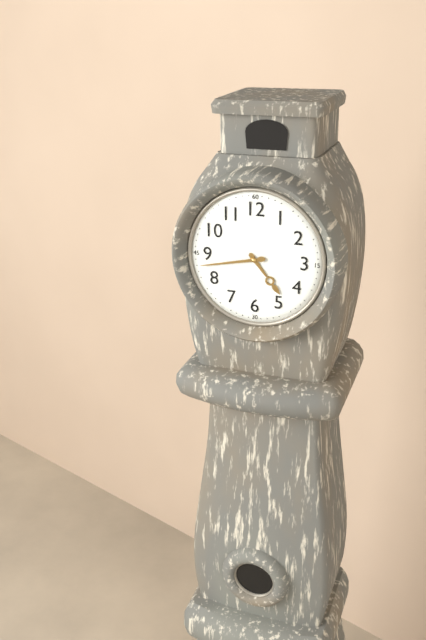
{"hour": 4, "minute": 43}
